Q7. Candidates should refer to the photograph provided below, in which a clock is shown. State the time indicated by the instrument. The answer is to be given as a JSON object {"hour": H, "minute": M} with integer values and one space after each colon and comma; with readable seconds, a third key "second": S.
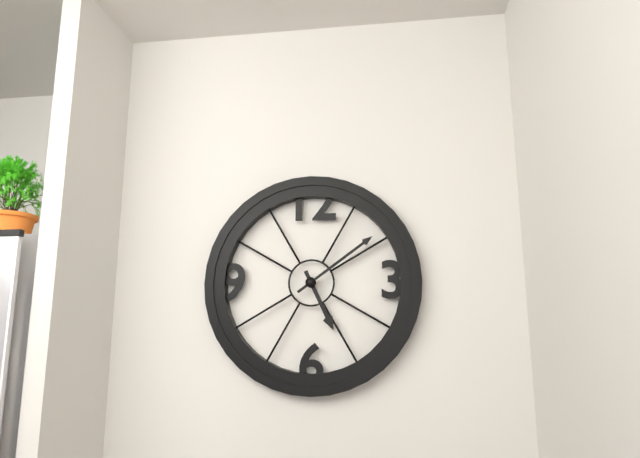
{"hour": 5, "minute": 9}
